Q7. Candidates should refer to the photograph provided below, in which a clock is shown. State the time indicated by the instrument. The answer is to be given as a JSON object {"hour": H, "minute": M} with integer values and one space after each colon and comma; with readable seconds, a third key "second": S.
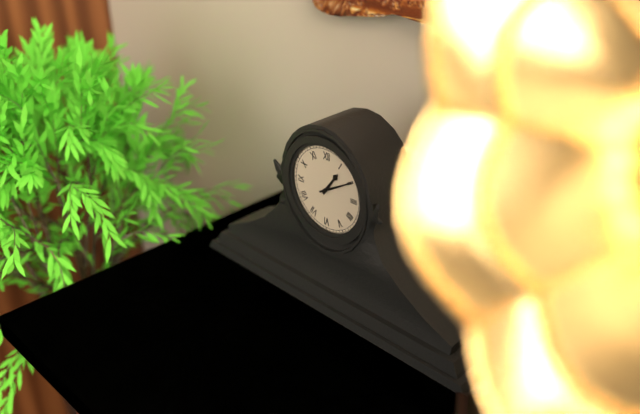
{"hour": 1, "minute": 10}
